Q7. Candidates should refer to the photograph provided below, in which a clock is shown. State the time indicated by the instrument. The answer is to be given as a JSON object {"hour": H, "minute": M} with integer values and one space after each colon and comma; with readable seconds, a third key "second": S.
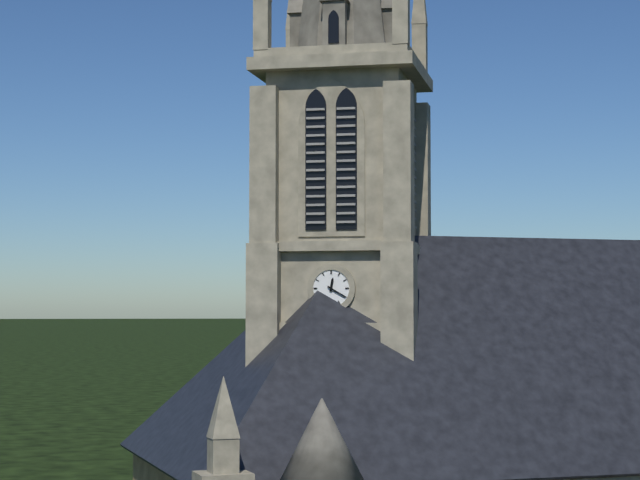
{"hour": 12, "minute": 20}
